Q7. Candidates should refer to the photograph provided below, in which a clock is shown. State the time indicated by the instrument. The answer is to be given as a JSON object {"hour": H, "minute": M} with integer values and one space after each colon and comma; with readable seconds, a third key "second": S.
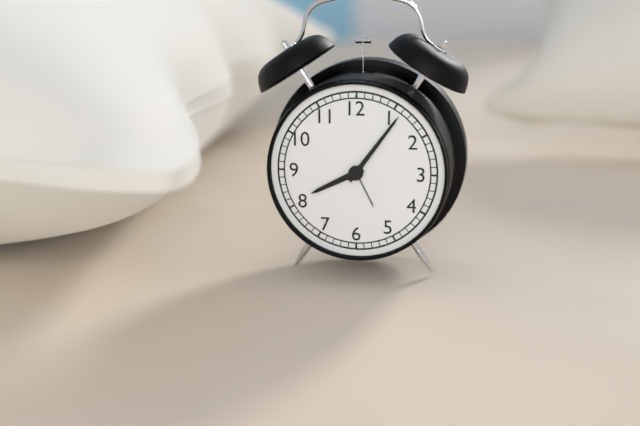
{"hour": 8, "minute": 6}
